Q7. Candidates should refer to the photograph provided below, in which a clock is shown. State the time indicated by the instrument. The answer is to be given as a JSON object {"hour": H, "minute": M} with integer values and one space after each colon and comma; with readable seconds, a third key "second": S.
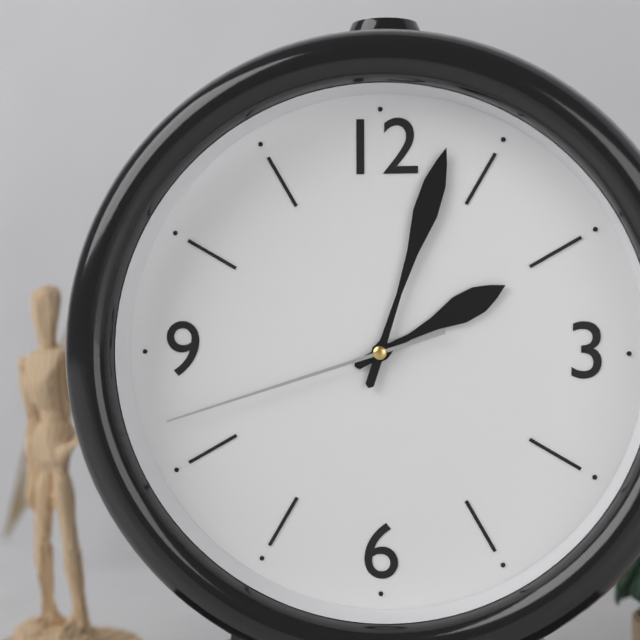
{"hour": 2, "minute": 3, "second": 42}
